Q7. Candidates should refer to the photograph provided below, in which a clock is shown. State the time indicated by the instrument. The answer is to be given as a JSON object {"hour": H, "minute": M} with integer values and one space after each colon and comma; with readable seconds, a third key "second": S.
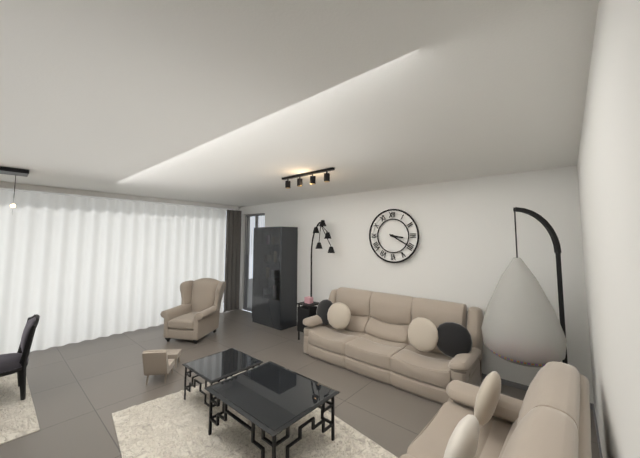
{"hour": 3, "minute": 20}
